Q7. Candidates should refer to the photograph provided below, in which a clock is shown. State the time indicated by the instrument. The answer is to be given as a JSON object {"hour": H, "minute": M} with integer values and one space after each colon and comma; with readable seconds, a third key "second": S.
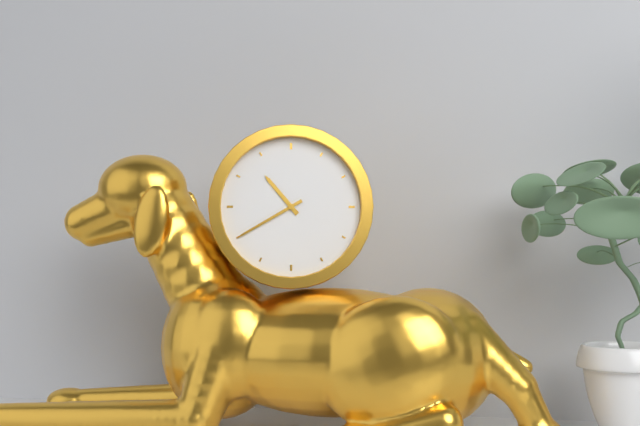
{"hour": 10, "minute": 40}
